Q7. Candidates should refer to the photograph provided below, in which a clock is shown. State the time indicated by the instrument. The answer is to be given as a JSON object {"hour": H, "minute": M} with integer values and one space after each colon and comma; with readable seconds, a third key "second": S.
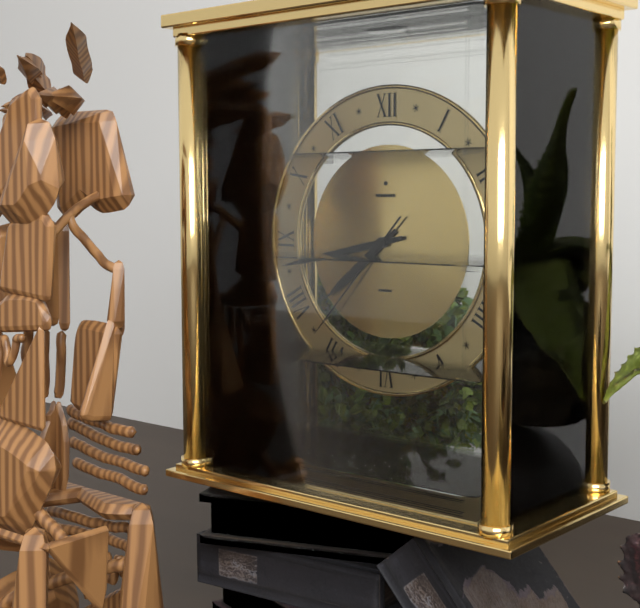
{"hour": 7, "minute": 43, "second": 37}
